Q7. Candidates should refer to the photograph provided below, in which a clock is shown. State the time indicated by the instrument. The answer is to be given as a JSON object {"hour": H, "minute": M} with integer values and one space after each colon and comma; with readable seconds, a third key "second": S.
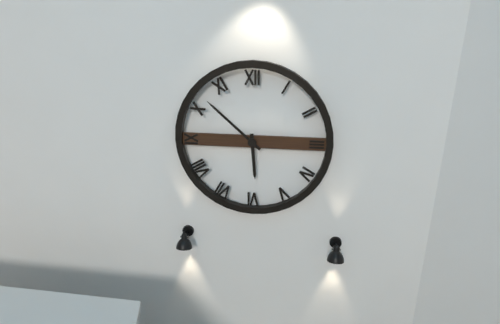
{"hour": 5, "minute": 52}
